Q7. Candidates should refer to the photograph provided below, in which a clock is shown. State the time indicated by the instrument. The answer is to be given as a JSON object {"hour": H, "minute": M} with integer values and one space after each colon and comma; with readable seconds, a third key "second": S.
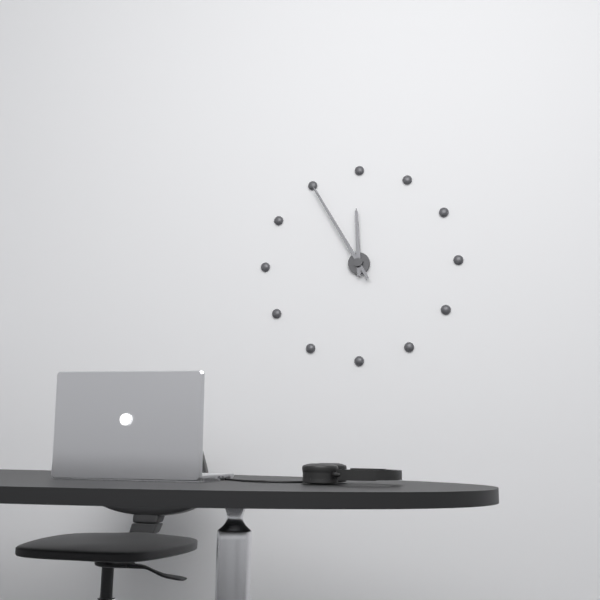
{"hour": 11, "minute": 55}
